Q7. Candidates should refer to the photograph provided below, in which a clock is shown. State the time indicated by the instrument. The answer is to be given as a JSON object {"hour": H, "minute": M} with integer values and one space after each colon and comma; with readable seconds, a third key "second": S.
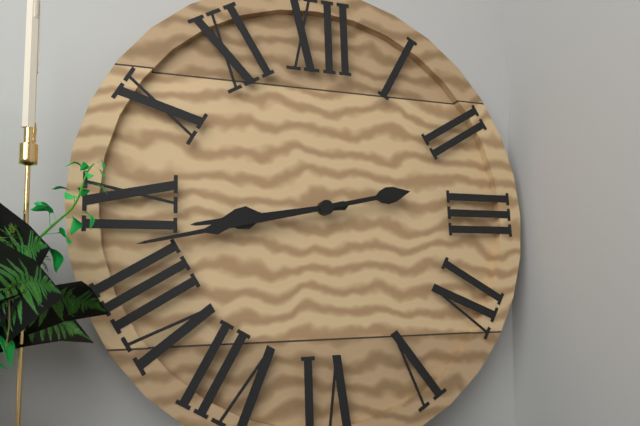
{"hour": 8, "minute": 43}
